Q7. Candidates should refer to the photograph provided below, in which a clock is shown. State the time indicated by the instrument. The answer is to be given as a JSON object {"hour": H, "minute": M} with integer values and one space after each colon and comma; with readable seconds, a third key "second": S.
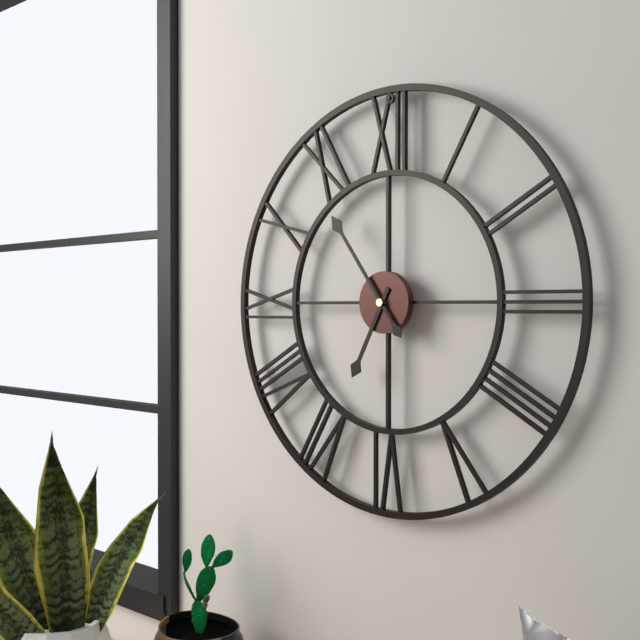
{"hour": 6, "minute": 54}
